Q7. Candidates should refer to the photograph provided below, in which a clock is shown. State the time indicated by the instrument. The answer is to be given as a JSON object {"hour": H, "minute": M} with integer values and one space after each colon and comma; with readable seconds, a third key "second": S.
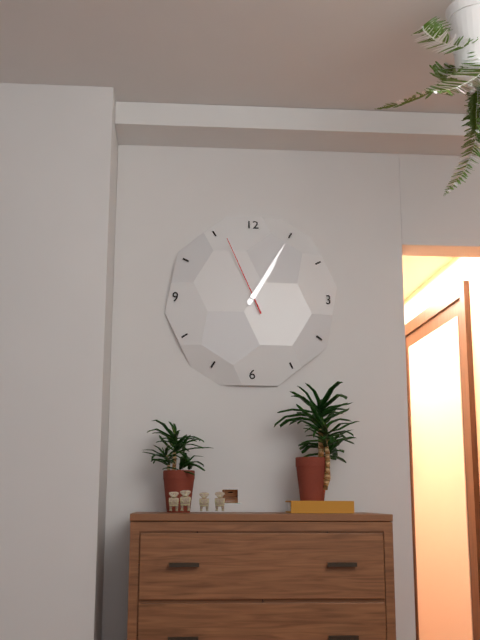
{"hour": 1, "minute": 5, "second": 56}
